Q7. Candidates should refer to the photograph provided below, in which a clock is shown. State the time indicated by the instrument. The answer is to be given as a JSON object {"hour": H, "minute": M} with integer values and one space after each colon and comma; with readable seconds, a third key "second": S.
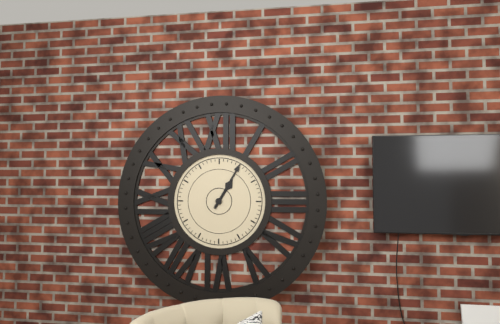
{"hour": 1, "minute": 5}
